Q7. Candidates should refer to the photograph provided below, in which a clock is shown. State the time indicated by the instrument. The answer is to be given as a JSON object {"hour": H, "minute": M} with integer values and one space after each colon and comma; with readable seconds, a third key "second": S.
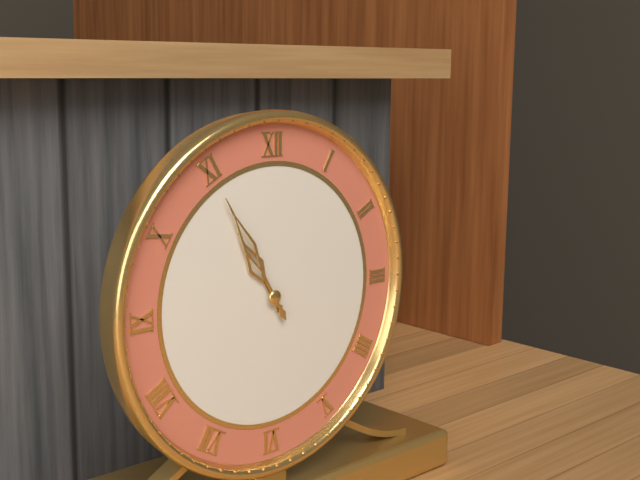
{"hour": 10, "minute": 55}
